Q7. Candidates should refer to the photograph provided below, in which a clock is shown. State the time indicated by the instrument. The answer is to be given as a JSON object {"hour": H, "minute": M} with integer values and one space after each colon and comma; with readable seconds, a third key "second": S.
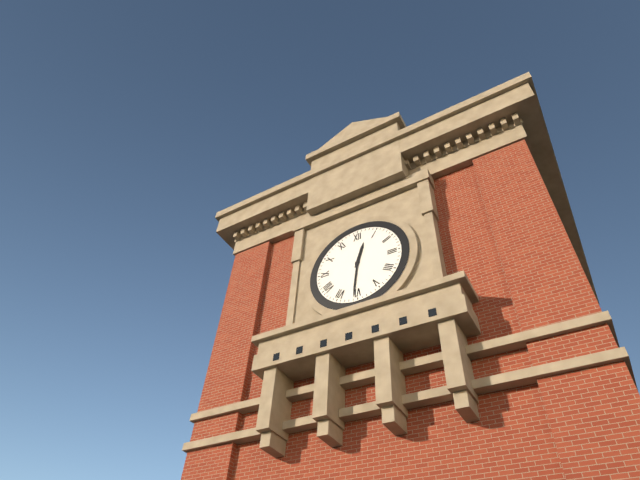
{"hour": 12, "minute": 31}
